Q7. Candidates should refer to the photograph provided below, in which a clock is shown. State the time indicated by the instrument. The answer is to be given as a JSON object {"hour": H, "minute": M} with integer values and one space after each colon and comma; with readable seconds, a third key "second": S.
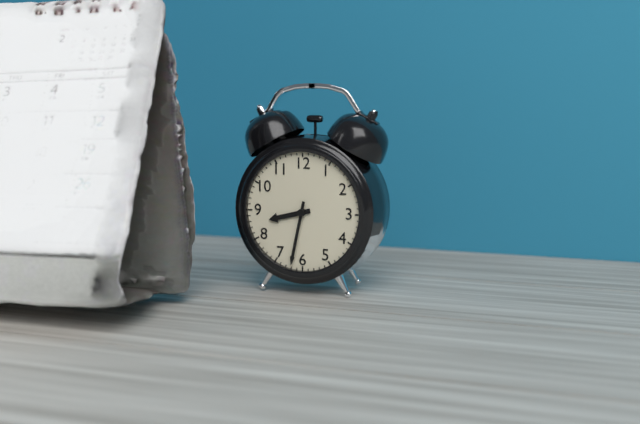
{"hour": 8, "minute": 32}
